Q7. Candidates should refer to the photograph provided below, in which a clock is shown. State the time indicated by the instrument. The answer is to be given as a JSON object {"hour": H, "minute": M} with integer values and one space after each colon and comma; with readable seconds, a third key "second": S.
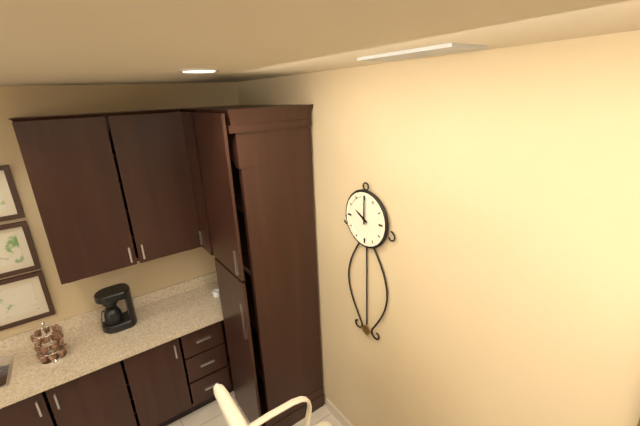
{"hour": 10, "minute": 0}
